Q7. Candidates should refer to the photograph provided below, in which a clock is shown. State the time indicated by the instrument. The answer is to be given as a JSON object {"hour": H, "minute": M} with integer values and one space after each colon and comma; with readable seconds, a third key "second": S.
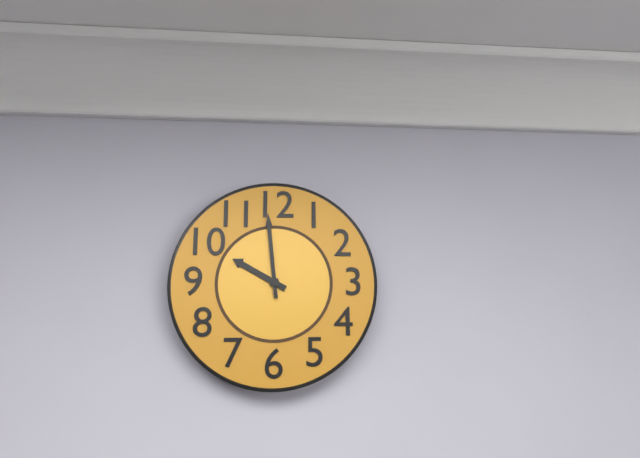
{"hour": 9, "minute": 59}
